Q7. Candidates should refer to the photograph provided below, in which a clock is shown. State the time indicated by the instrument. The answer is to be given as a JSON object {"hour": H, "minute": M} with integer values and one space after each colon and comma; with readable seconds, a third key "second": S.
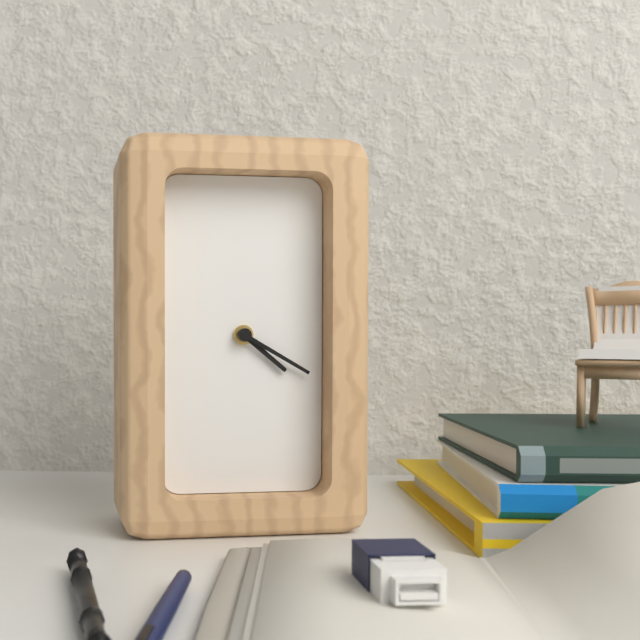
{"hour": 4, "minute": 20}
